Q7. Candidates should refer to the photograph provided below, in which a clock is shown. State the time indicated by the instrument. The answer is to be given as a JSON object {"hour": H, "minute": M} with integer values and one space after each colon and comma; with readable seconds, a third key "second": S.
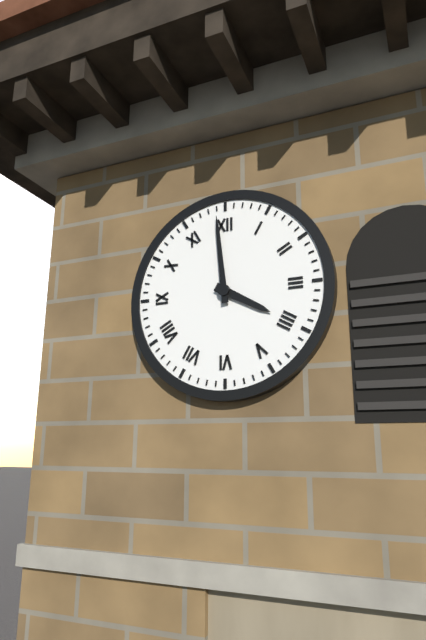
{"hour": 3, "minute": 59}
